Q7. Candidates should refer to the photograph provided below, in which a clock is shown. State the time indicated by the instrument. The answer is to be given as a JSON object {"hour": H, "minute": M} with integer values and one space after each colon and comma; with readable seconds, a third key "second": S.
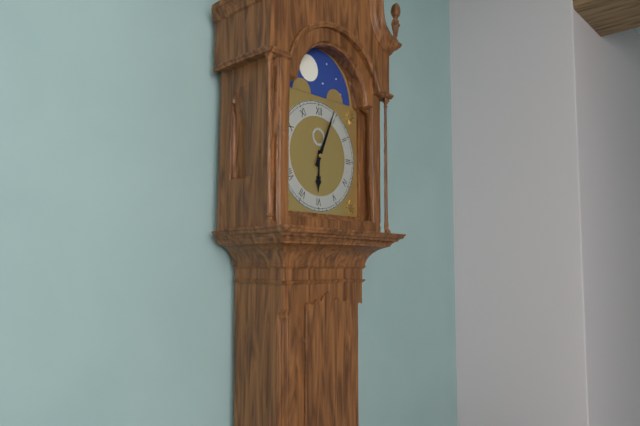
{"hour": 6, "minute": 4}
